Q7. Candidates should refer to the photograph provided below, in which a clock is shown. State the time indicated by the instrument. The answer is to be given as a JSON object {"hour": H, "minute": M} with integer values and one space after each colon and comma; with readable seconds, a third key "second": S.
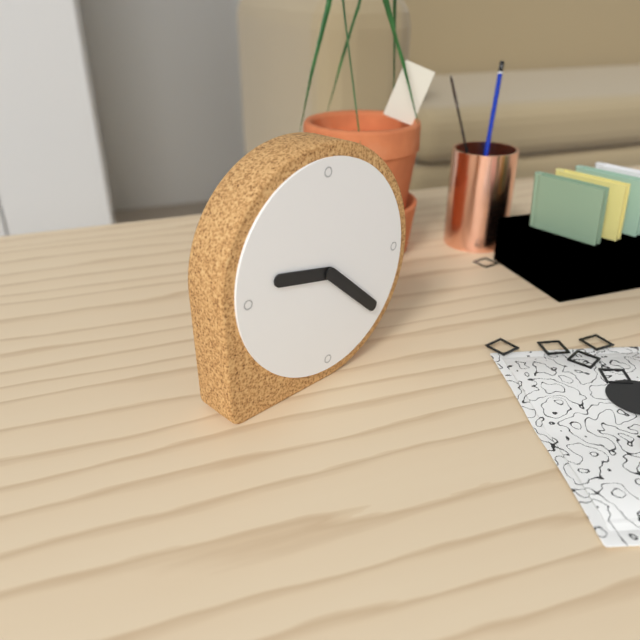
{"hour": 9, "minute": 22}
